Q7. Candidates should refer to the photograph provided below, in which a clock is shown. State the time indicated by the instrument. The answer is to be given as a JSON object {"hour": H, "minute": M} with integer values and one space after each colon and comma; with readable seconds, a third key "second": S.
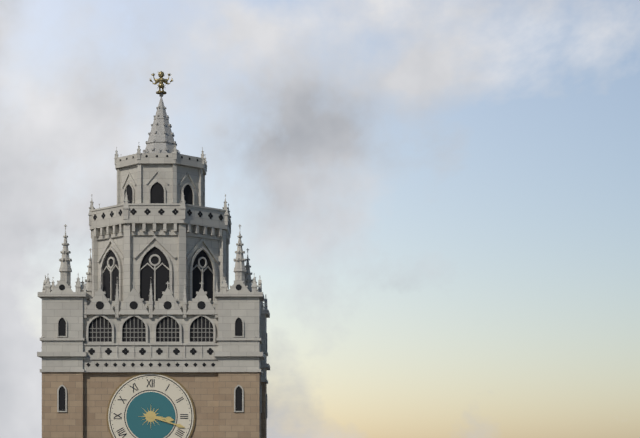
{"hour": 3, "minute": 18}
